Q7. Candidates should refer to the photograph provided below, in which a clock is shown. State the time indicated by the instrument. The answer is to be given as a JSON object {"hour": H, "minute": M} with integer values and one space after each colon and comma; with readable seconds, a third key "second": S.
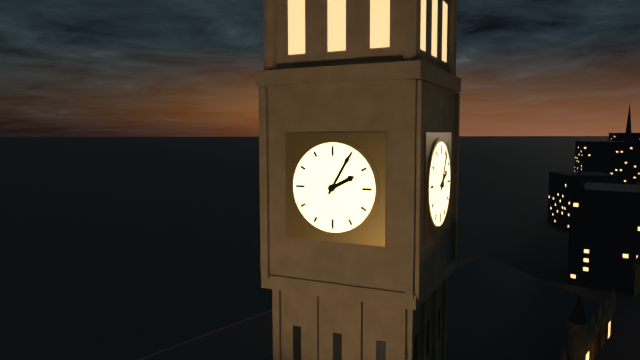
{"hour": 2, "minute": 5}
